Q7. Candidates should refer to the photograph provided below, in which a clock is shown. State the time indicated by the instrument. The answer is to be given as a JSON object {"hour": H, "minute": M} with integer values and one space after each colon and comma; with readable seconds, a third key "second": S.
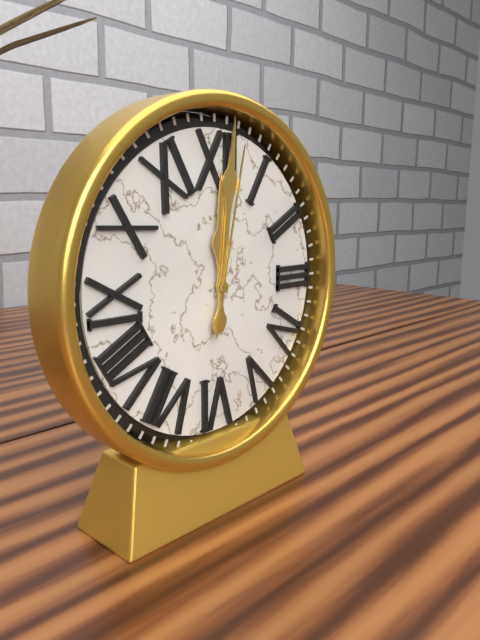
{"hour": 12, "minute": 1, "second": 2}
